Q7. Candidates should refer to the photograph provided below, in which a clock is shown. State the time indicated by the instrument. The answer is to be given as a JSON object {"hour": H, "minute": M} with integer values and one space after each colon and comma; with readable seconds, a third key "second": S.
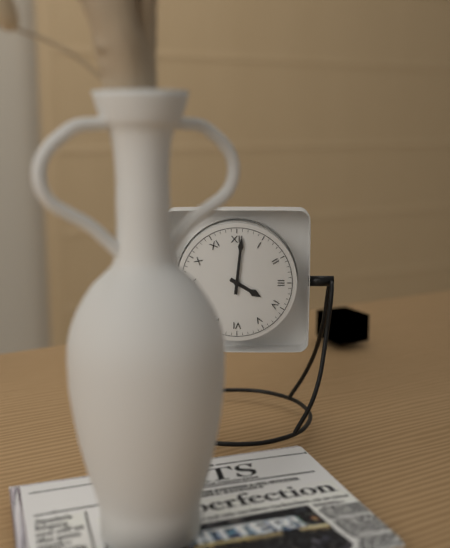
{"hour": 4, "minute": 1}
